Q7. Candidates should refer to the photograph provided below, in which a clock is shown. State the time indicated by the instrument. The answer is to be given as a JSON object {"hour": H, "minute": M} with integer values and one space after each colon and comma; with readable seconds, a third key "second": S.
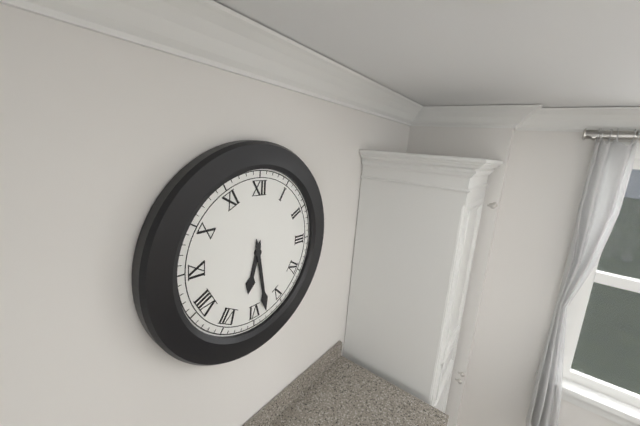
{"hour": 6, "minute": 28}
